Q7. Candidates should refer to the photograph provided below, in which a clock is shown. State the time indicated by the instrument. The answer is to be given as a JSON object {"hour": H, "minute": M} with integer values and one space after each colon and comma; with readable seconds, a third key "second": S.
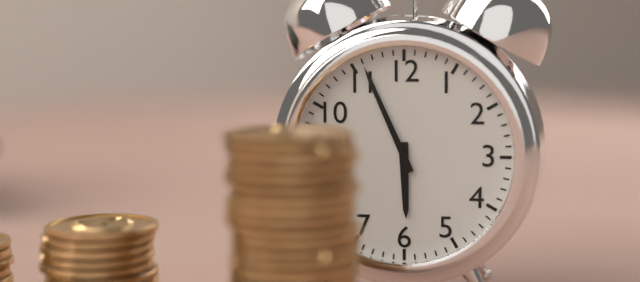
{"hour": 5, "minute": 56}
